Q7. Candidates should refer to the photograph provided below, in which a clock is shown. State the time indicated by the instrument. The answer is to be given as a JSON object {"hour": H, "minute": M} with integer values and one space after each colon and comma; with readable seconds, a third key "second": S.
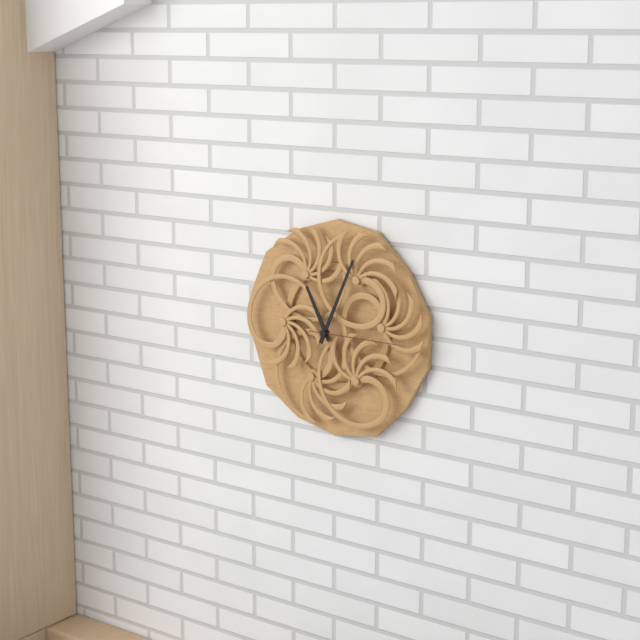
{"hour": 11, "minute": 4, "second": 15}
